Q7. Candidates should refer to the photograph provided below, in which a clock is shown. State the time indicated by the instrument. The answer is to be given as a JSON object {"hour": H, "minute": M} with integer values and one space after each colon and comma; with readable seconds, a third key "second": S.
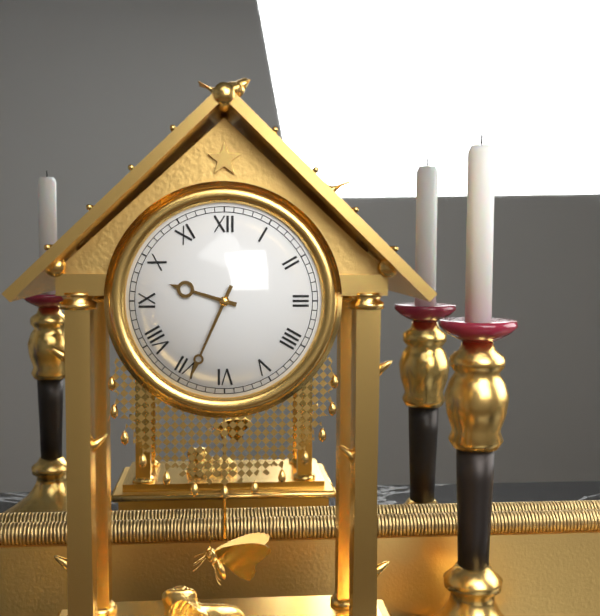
{"hour": 9, "minute": 34}
